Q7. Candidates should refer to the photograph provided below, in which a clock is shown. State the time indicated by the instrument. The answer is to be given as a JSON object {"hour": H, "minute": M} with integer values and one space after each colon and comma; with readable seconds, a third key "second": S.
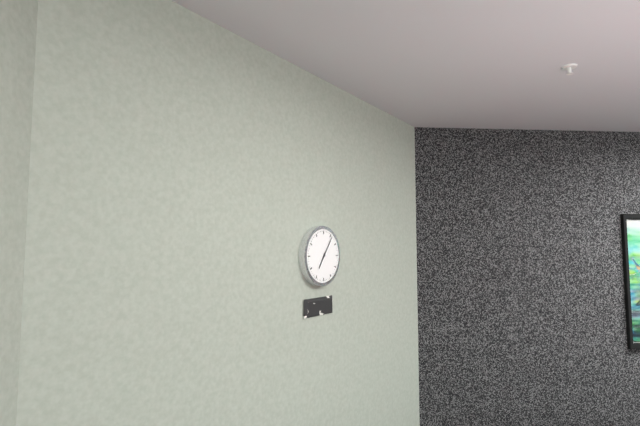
{"hour": 7, "minute": 6}
